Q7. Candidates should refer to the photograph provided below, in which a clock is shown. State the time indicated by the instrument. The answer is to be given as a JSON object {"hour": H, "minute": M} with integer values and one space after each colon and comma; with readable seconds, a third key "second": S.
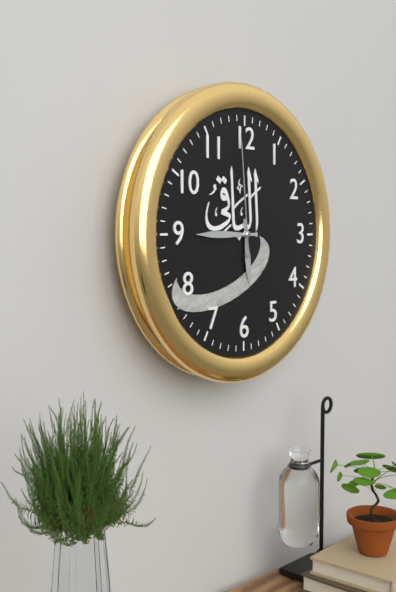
{"hour": 5, "minute": 45, "second": 59}
